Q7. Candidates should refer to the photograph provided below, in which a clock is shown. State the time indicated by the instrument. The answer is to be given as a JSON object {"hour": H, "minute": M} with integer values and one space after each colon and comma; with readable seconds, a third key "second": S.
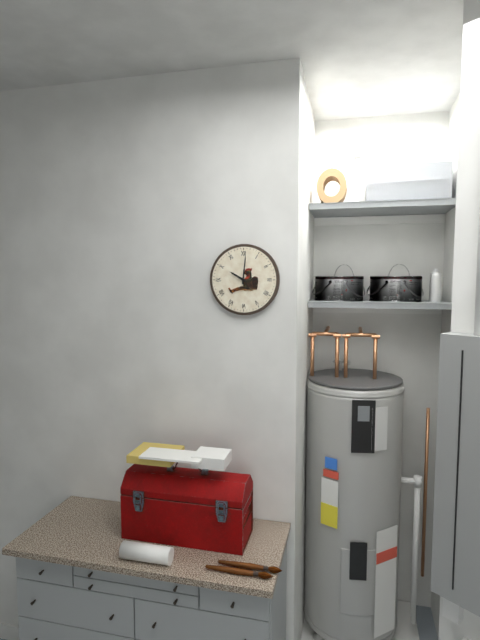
{"hour": 10, "minute": 1}
